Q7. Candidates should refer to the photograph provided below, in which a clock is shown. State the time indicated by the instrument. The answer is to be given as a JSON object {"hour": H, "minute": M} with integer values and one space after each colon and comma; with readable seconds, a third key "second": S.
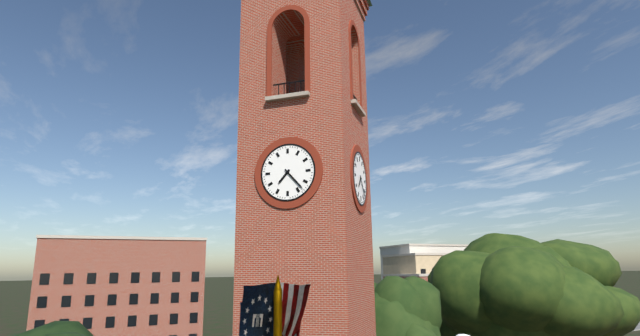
{"hour": 7, "minute": 23}
